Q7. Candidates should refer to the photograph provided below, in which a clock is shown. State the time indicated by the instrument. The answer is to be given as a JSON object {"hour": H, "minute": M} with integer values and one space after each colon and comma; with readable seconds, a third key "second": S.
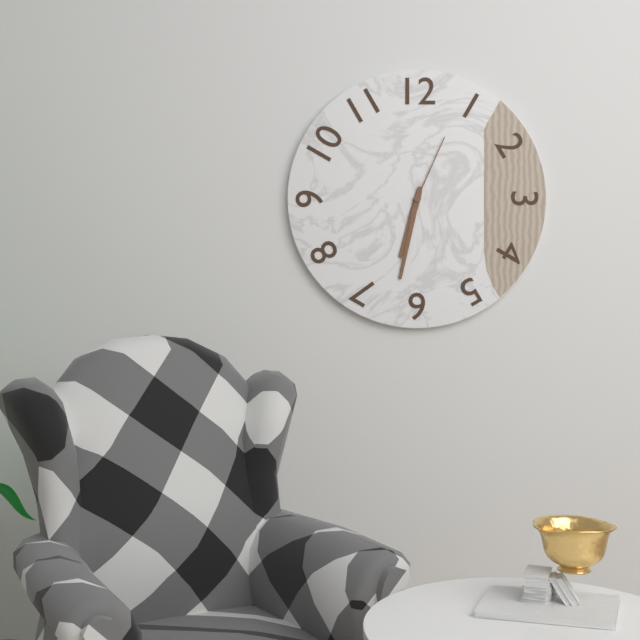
{"hour": 6, "minute": 32, "second": 4}
